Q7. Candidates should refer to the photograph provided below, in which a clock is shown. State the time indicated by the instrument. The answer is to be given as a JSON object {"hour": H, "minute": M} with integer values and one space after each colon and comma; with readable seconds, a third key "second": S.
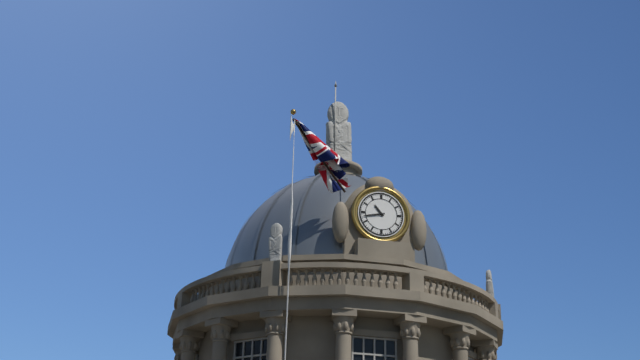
{"hour": 10, "minute": 43}
